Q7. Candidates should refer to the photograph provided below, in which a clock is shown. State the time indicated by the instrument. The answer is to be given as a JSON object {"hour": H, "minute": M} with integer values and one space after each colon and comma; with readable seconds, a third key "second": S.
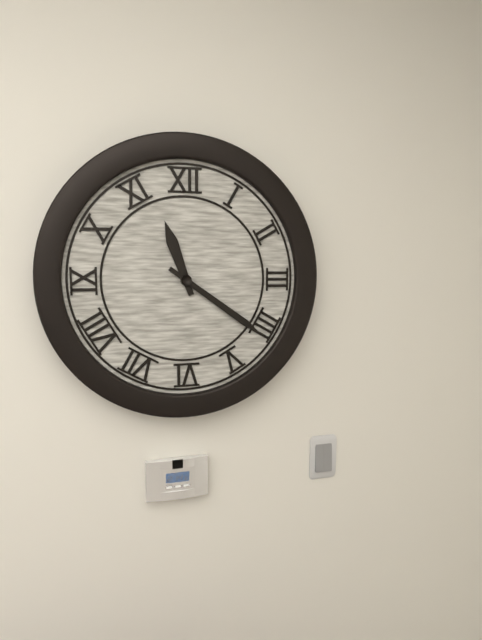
{"hour": 11, "minute": 21}
